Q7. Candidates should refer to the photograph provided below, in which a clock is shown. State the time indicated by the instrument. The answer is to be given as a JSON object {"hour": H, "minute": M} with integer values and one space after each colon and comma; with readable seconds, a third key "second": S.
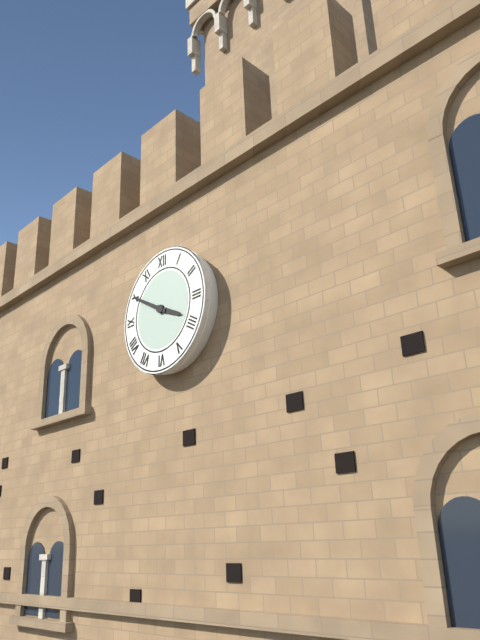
{"hour": 3, "minute": 50}
